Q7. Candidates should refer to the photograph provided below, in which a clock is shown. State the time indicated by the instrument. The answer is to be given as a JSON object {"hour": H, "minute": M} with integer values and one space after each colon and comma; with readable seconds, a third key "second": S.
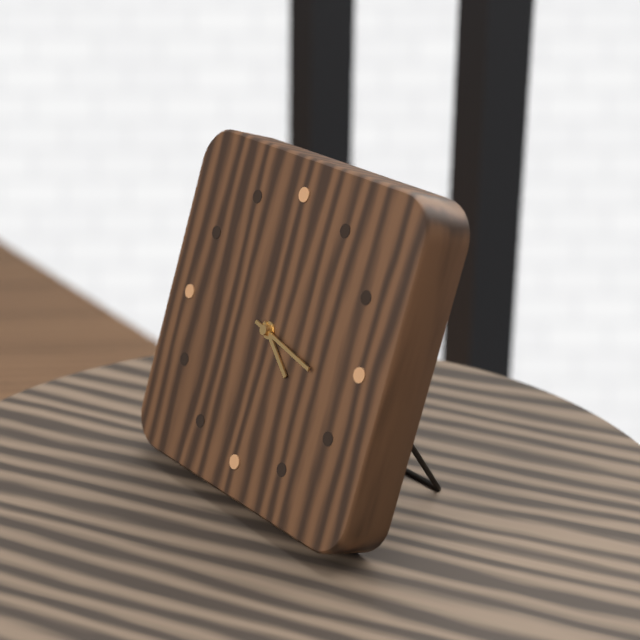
{"hour": 4, "minute": 17}
